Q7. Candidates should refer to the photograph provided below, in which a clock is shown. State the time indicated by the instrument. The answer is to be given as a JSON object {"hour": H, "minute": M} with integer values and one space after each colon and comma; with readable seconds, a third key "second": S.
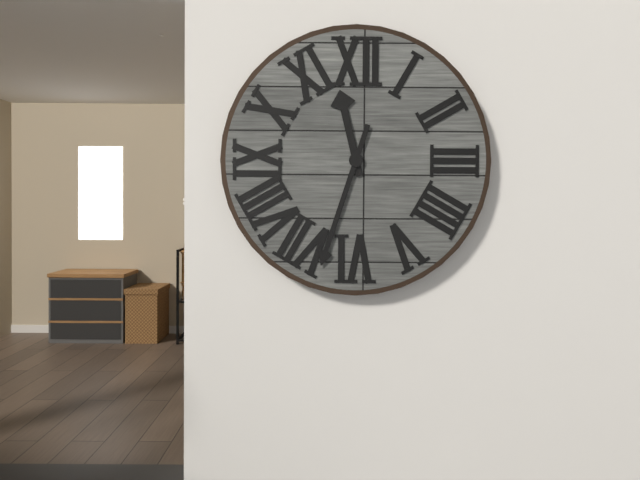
{"hour": 11, "minute": 33}
